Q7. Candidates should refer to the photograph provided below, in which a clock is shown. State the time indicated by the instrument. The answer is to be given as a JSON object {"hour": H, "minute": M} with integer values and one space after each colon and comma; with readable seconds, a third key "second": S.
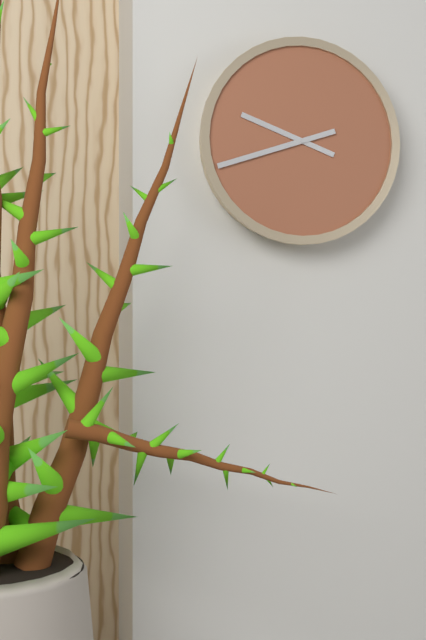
{"hour": 9, "minute": 42}
